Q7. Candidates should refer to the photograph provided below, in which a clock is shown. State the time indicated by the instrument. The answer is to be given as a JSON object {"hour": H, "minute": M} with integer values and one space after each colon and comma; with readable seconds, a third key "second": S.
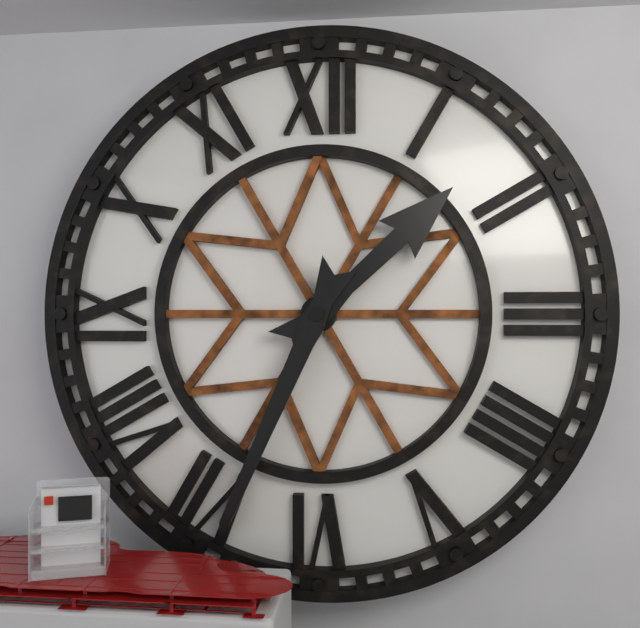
{"hour": 1, "minute": 34}
